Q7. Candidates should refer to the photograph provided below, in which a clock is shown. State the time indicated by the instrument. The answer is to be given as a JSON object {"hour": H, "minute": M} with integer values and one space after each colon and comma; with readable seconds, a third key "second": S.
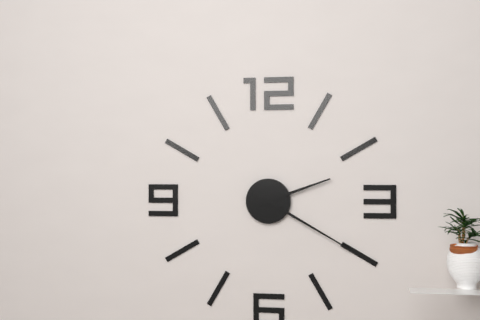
{"hour": 2, "minute": 20}
